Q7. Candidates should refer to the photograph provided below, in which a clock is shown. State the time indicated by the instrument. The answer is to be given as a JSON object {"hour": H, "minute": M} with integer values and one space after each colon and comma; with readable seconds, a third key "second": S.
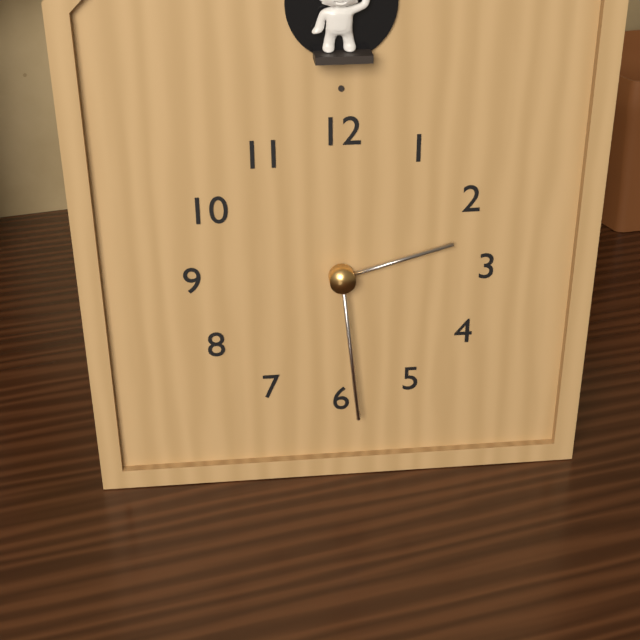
{"hour": 2, "minute": 29}
